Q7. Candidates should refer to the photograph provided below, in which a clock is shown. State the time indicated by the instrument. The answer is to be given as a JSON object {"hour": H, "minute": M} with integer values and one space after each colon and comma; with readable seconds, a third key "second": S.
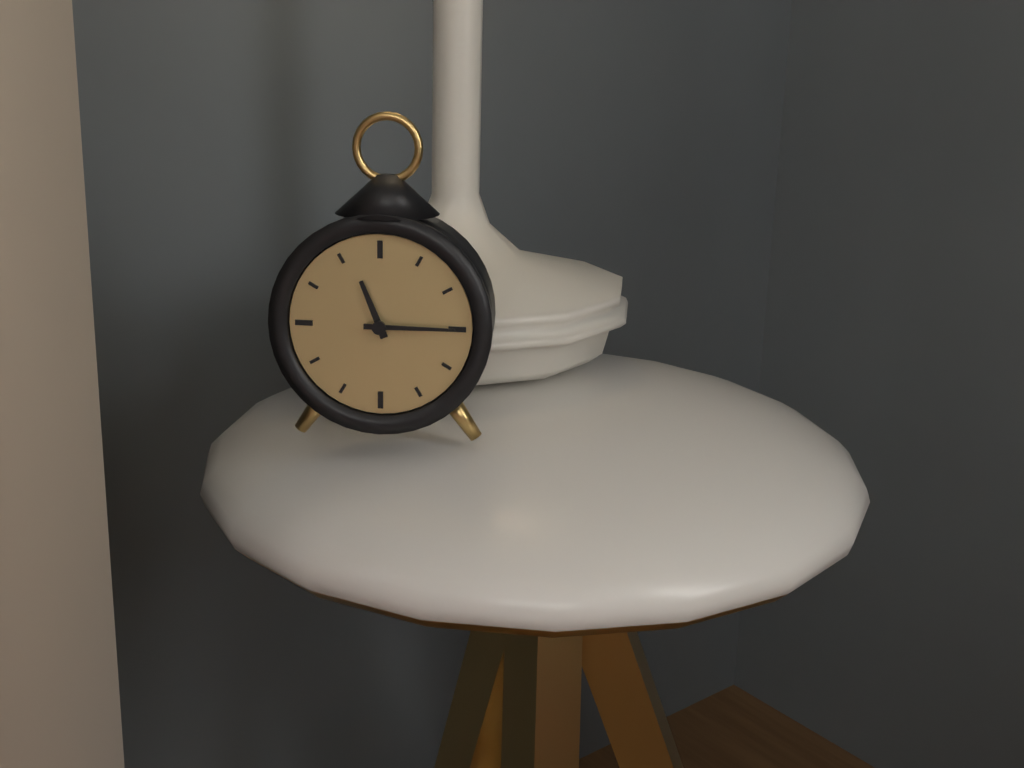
{"hour": 11, "minute": 15}
